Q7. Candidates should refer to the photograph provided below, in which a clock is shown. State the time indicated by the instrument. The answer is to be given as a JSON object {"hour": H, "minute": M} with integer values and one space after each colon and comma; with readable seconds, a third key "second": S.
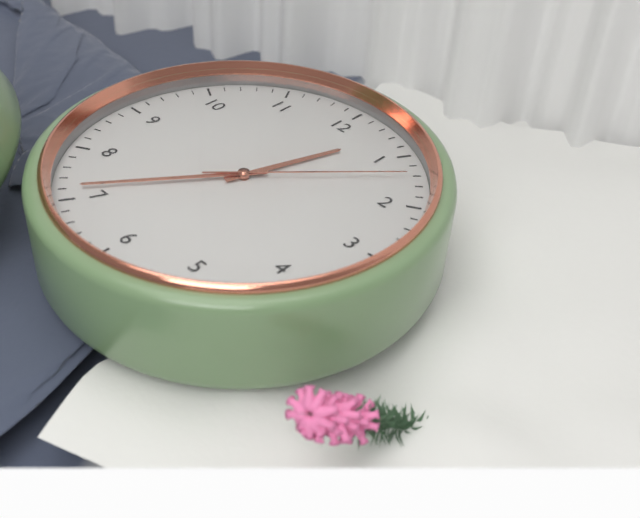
{"hour": 12, "minute": 36, "second": 7}
